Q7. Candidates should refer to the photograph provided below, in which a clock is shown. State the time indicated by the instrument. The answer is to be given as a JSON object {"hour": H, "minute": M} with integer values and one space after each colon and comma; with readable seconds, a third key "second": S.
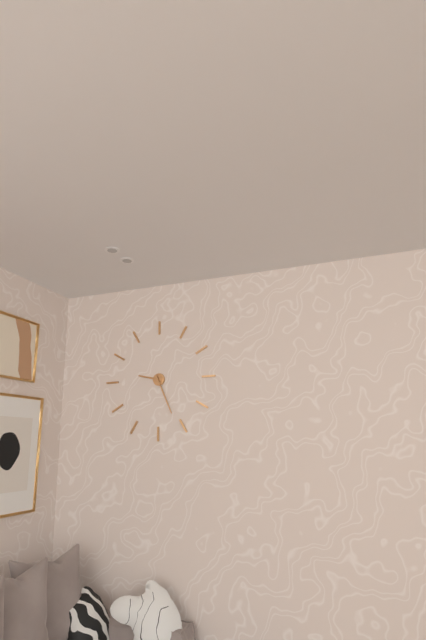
{"hour": 9, "minute": 26}
